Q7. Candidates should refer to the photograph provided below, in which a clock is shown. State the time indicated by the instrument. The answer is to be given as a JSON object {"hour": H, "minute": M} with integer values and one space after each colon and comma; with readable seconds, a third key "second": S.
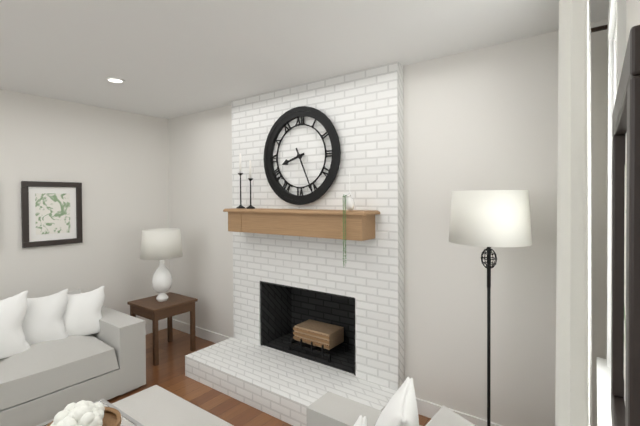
{"hour": 8, "minute": 26}
